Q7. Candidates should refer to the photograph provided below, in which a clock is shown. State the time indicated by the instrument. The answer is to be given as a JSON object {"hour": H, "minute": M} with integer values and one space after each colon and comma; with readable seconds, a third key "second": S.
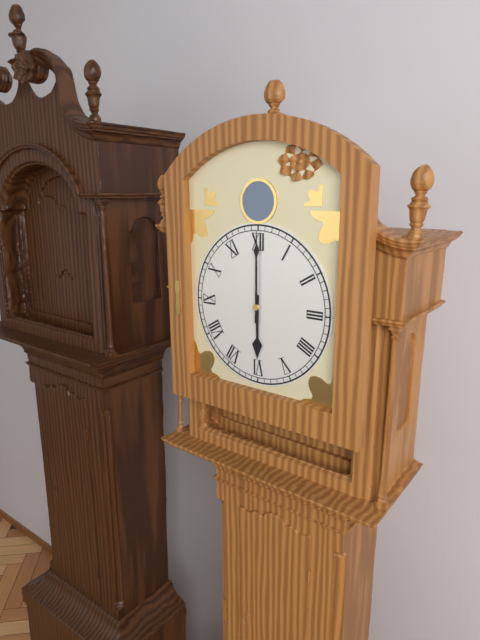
{"hour": 6, "minute": 0}
